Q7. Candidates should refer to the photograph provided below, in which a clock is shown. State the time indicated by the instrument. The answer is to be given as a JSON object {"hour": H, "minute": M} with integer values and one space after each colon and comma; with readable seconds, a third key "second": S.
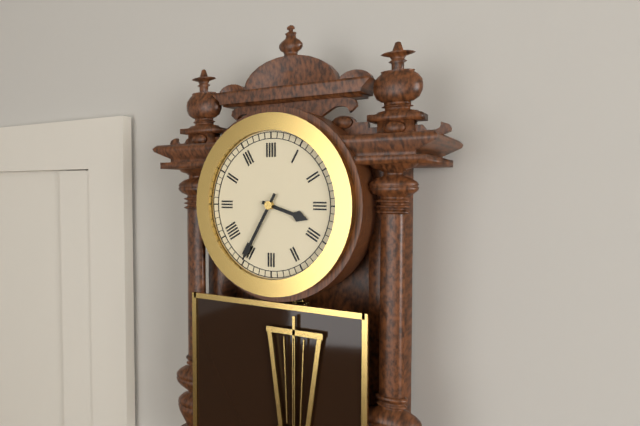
{"hour": 3, "minute": 35}
